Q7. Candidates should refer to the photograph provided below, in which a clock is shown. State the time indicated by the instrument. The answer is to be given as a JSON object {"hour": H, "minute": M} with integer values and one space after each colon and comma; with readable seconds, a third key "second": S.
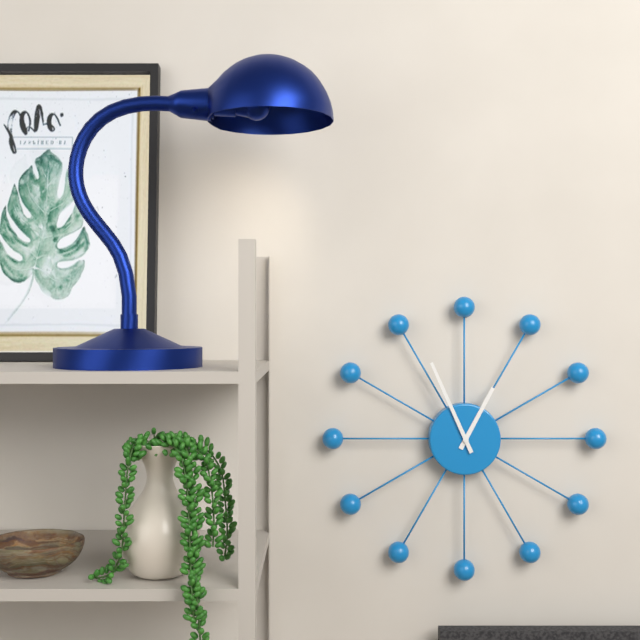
{"hour": 12, "minute": 56}
